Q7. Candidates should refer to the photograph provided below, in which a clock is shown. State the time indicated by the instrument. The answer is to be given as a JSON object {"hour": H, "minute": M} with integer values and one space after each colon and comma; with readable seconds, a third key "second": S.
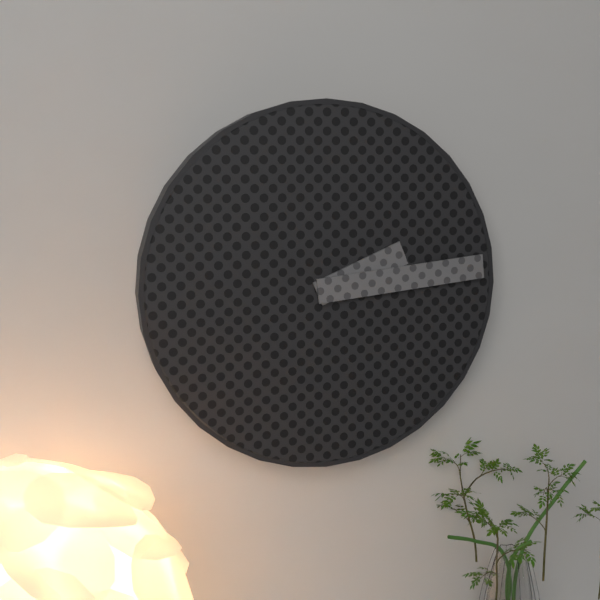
{"hour": 2, "minute": 14}
